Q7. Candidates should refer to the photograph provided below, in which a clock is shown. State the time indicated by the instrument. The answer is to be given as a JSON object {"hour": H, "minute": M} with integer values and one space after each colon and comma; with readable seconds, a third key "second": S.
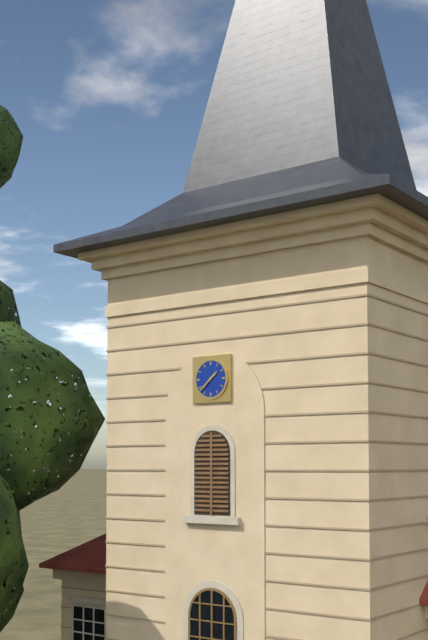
{"hour": 1, "minute": 38}
